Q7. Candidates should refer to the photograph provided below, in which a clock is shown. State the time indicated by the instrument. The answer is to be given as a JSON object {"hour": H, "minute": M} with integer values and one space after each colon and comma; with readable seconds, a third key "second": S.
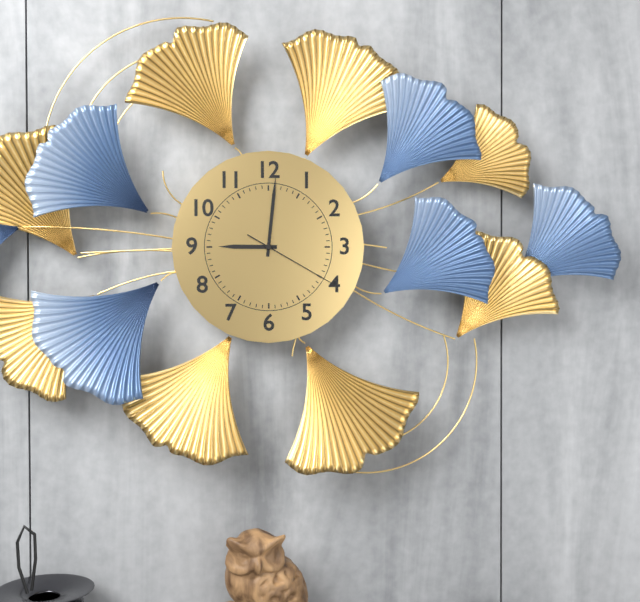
{"hour": 9, "minute": 1, "second": 20}
